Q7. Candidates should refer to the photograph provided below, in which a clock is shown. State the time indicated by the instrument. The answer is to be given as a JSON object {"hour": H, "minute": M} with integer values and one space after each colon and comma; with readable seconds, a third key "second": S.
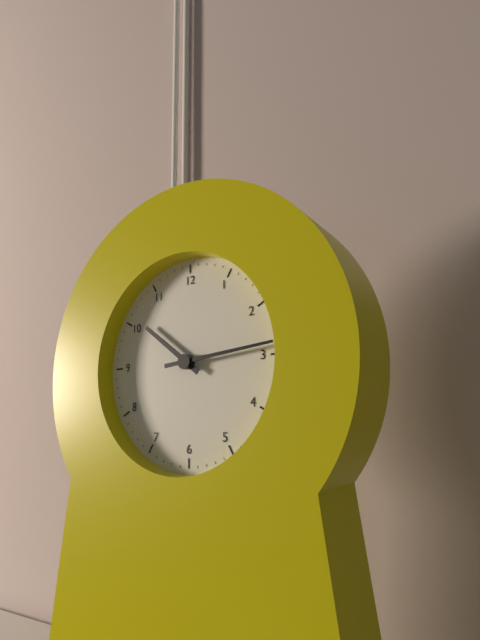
{"hour": 10, "minute": 14}
